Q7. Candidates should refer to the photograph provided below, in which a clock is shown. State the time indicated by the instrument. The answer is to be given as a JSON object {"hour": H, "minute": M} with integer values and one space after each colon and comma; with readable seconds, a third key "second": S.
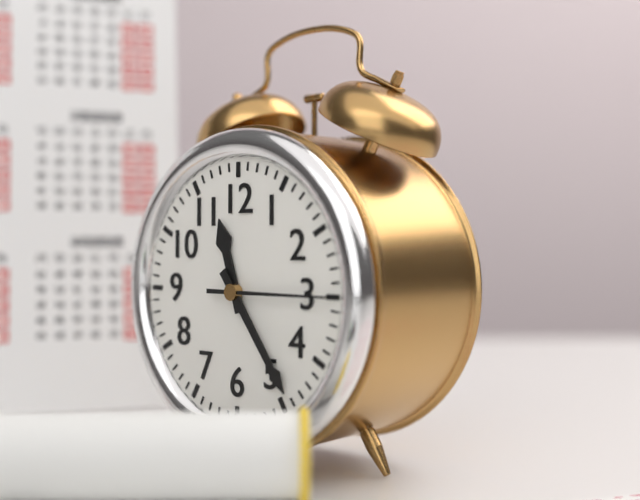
{"hour": 11, "minute": 24, "second": 15}
